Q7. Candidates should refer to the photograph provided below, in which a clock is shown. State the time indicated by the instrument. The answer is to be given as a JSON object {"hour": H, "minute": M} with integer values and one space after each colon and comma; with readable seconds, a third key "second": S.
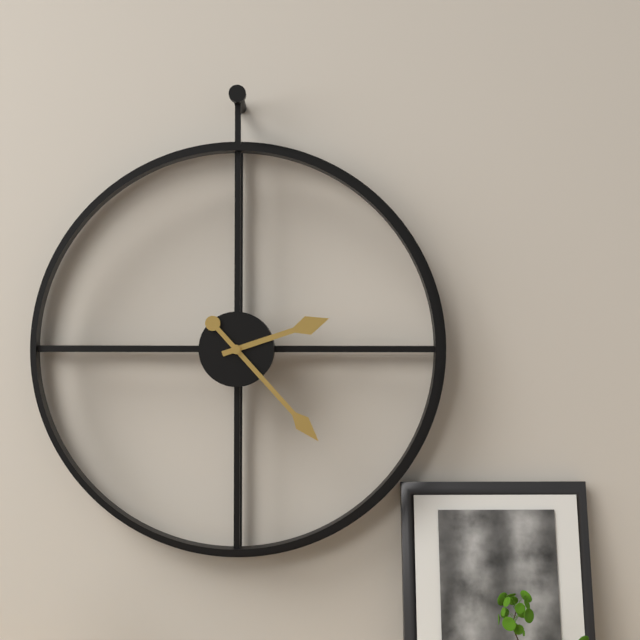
{"hour": 2, "minute": 23}
